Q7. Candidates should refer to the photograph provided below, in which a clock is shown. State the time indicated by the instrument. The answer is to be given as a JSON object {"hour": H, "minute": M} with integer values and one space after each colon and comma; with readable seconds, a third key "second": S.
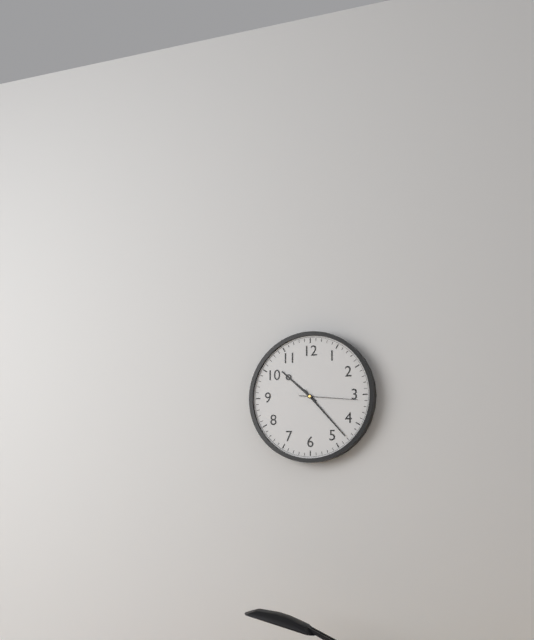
{"hour": 10, "minute": 23, "second": 16}
